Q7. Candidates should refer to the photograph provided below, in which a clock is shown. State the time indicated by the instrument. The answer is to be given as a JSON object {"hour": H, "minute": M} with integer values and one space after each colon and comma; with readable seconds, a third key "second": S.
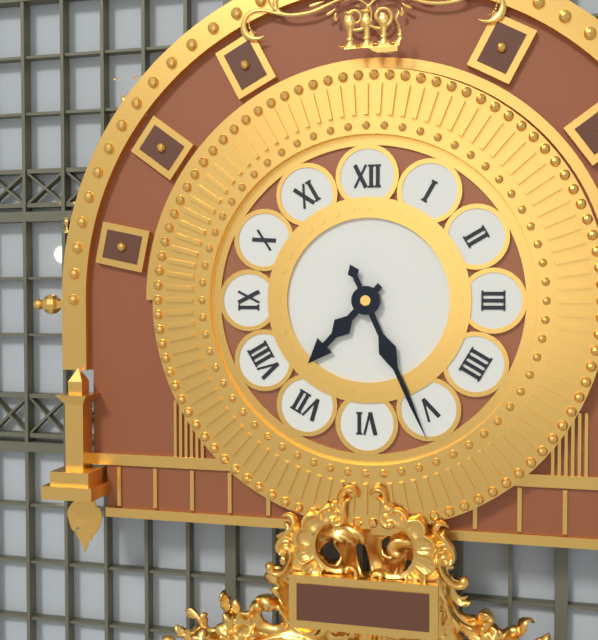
{"hour": 7, "minute": 26}
